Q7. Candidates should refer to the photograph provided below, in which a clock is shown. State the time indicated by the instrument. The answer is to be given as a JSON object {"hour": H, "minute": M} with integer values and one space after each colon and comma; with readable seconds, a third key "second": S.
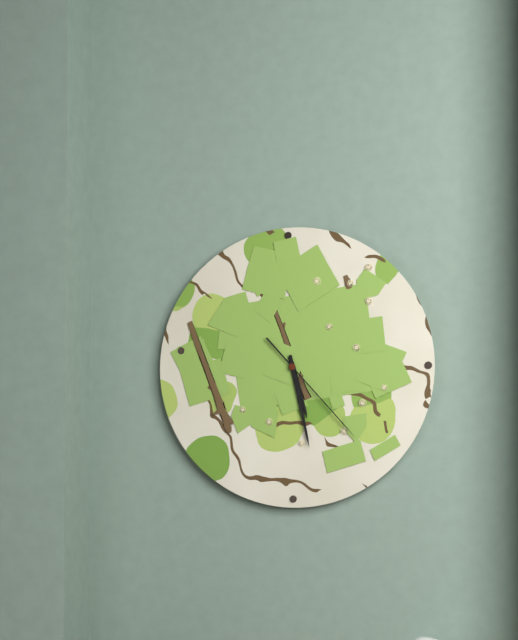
{"hour": 5, "minute": 28, "second": 23}
